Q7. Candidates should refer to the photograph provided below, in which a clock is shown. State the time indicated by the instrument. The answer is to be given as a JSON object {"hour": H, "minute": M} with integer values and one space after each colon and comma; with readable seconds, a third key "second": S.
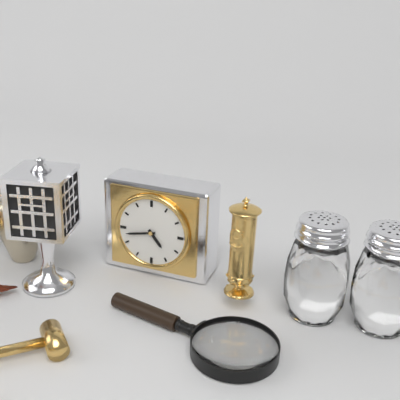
{"hour": 4, "minute": 43}
